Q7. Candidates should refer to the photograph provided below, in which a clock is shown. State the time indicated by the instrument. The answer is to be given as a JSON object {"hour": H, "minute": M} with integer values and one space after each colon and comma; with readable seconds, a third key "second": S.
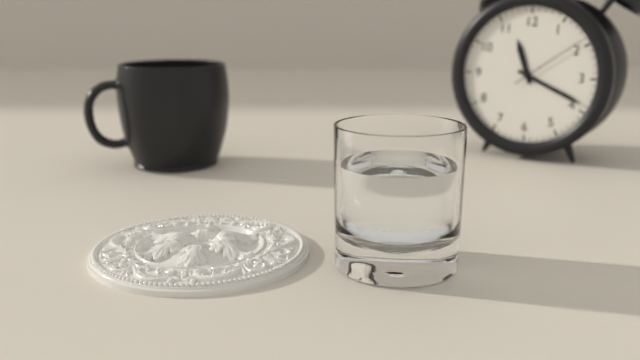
{"hour": 11, "minute": 19, "second": 9}
